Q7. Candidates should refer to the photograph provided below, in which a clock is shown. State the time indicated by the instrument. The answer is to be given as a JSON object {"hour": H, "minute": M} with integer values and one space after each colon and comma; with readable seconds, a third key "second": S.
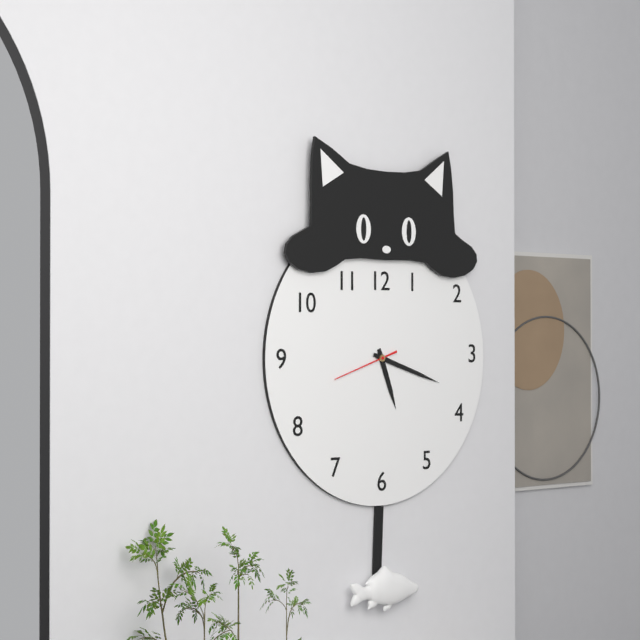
{"hour": 5, "minute": 18, "second": 42}
